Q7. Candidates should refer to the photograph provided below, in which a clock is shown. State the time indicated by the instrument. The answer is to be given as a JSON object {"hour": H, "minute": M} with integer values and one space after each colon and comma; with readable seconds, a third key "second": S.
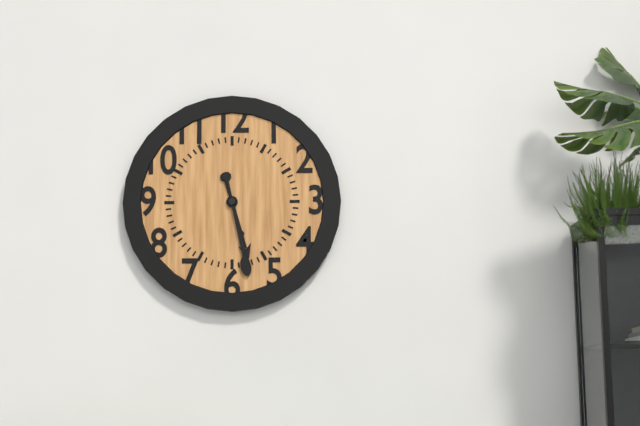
{"hour": 5, "minute": 28}
